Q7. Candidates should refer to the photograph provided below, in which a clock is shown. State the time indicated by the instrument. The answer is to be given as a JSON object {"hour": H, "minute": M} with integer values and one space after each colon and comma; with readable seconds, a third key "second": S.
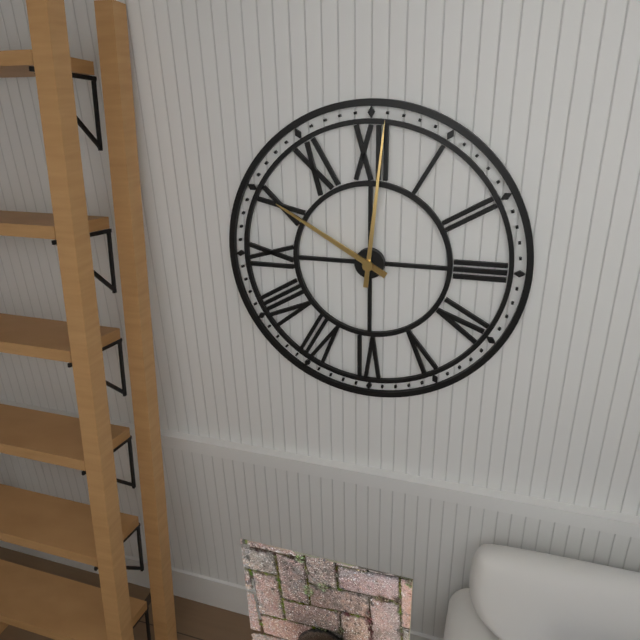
{"hour": 10, "minute": 1}
